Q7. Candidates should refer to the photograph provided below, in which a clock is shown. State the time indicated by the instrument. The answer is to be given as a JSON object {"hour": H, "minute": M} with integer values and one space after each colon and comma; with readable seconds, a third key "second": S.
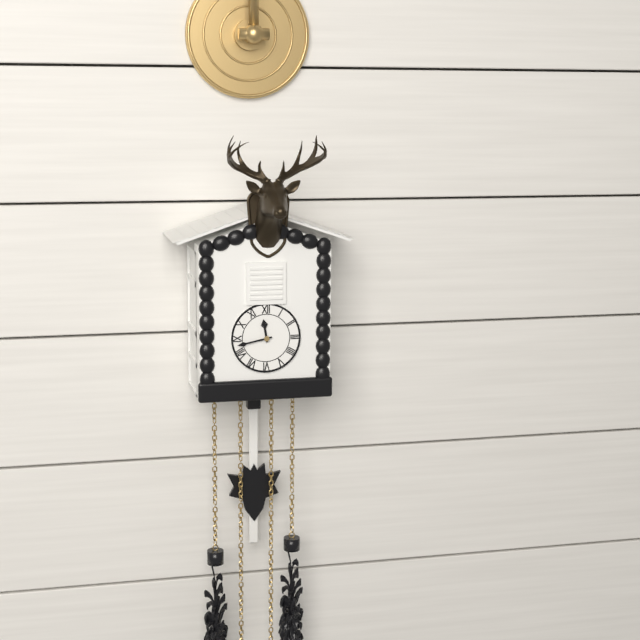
{"hour": 11, "minute": 43}
